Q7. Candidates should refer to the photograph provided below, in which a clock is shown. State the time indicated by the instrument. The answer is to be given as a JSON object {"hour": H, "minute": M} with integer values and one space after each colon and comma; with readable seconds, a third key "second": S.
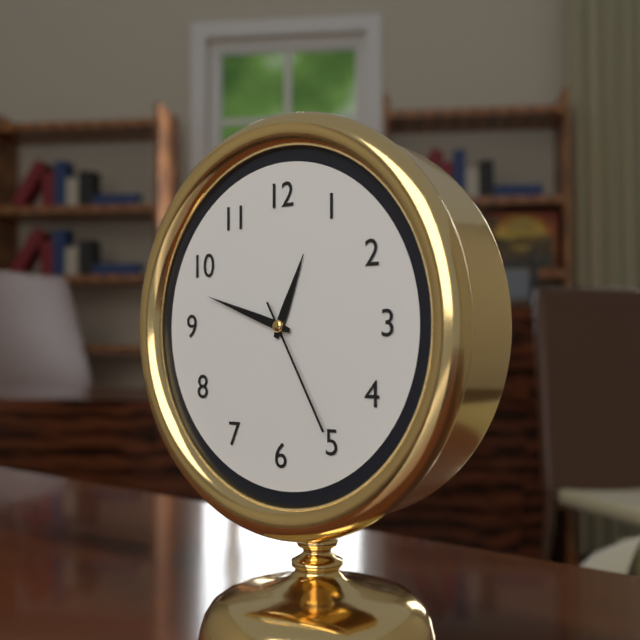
{"hour": 12, "minute": 48, "second": 25}
